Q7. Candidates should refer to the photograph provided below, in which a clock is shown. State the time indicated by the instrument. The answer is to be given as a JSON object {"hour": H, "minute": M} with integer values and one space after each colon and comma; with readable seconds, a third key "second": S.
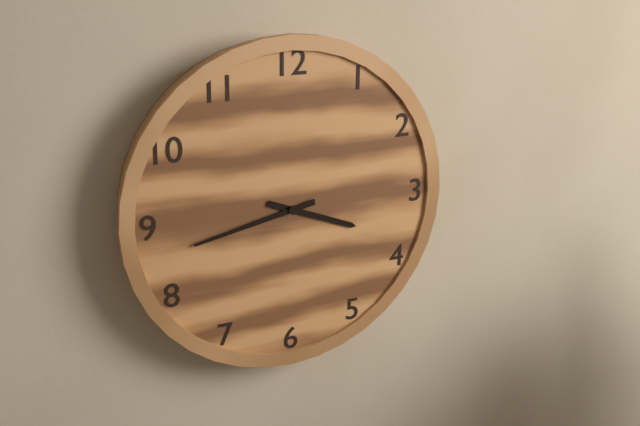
{"hour": 3, "minute": 43}
